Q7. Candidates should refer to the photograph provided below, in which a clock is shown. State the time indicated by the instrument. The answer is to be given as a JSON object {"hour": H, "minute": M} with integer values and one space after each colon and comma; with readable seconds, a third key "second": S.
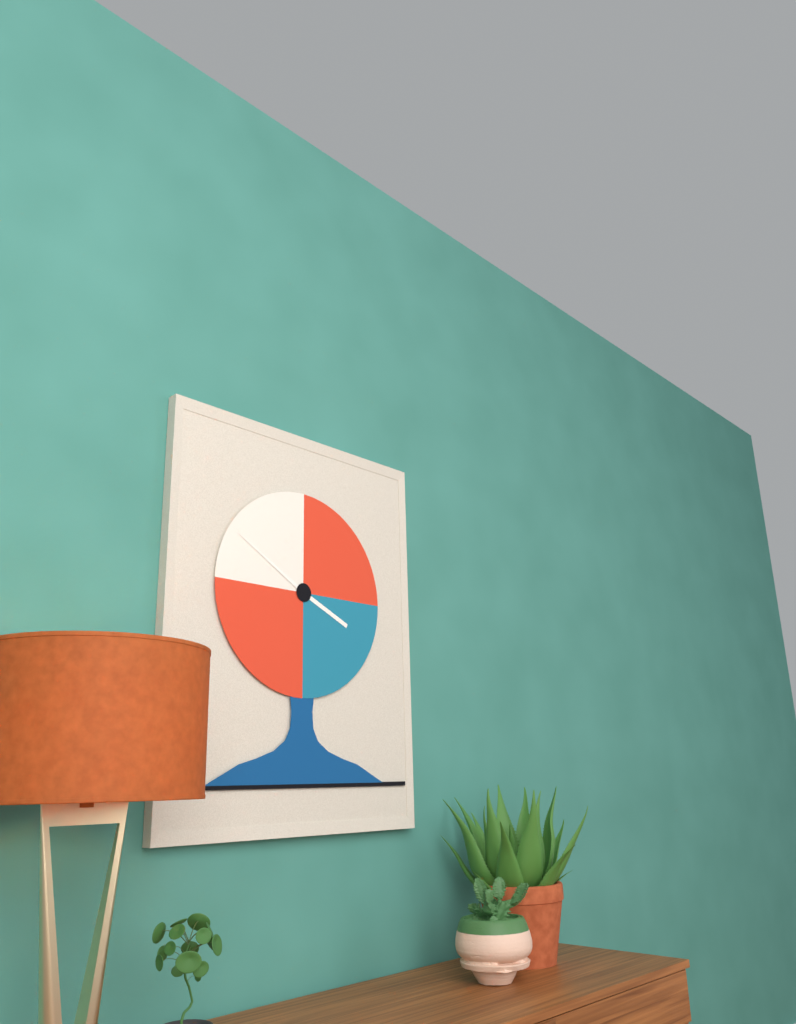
{"hour": 3, "minute": 50}
